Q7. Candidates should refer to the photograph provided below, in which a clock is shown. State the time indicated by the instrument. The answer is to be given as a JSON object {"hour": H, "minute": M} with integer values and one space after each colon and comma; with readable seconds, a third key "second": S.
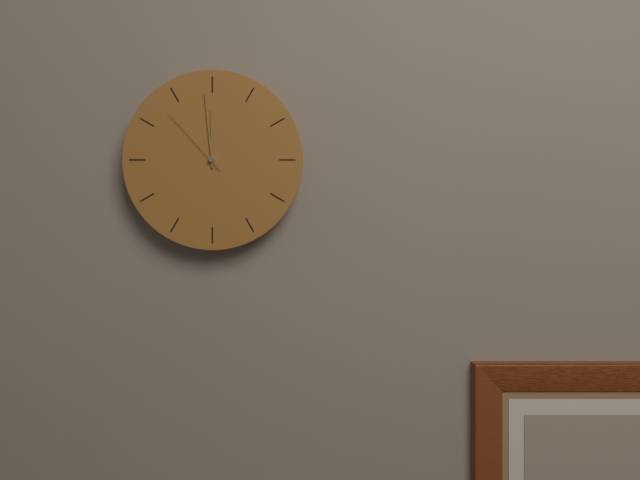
{"hour": 11, "minute": 59, "second": 53}
